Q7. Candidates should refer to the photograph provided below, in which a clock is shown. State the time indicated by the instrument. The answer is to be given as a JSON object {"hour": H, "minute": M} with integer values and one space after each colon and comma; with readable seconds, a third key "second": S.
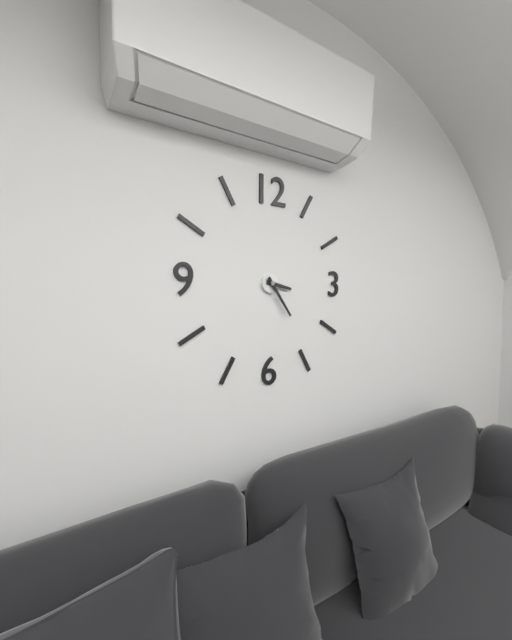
{"hour": 3, "minute": 24}
